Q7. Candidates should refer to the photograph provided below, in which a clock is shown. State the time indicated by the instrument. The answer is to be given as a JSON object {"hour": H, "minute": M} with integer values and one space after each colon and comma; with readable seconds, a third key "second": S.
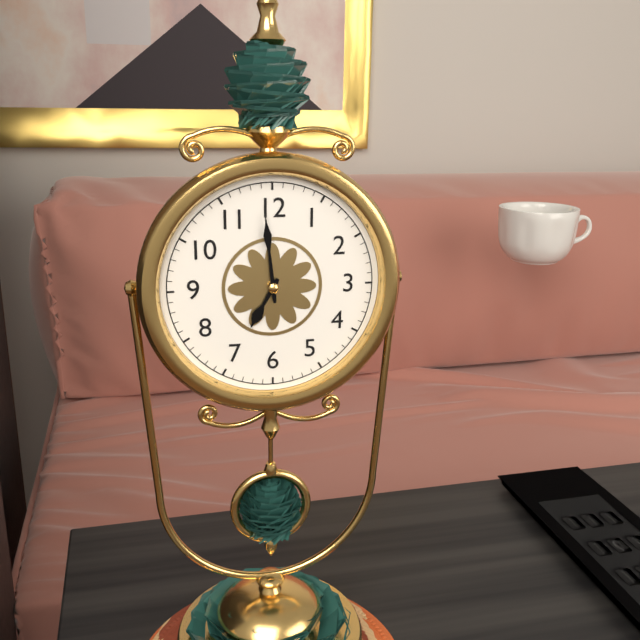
{"hour": 6, "minute": 59}
